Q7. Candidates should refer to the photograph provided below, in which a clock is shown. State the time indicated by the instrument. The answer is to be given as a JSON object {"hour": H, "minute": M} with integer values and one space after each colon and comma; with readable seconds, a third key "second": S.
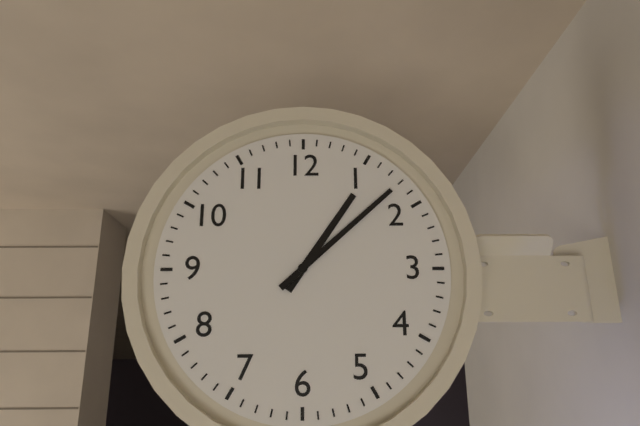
{"hour": 1, "minute": 8}
